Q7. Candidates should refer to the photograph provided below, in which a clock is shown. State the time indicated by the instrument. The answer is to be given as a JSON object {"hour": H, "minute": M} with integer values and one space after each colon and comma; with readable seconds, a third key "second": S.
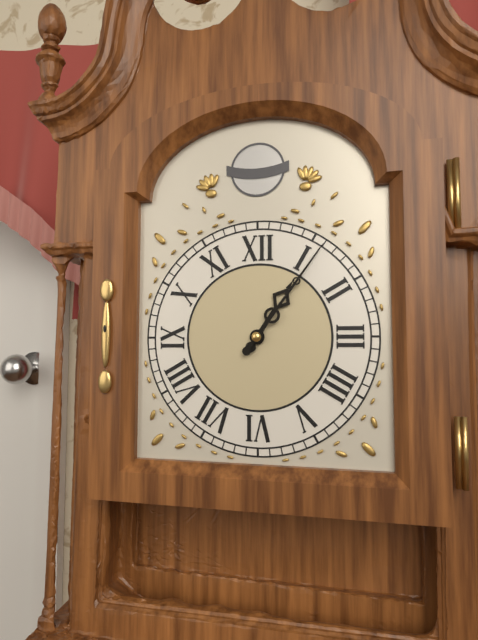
{"hour": 1, "minute": 6}
